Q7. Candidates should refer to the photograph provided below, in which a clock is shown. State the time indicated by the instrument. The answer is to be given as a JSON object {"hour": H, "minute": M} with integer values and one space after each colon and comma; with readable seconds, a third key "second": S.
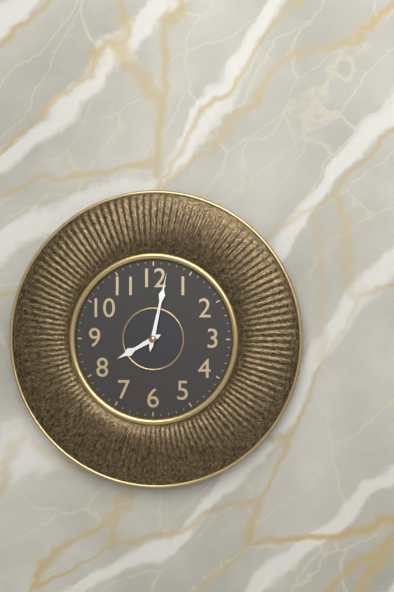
{"hour": 8, "minute": 2}
